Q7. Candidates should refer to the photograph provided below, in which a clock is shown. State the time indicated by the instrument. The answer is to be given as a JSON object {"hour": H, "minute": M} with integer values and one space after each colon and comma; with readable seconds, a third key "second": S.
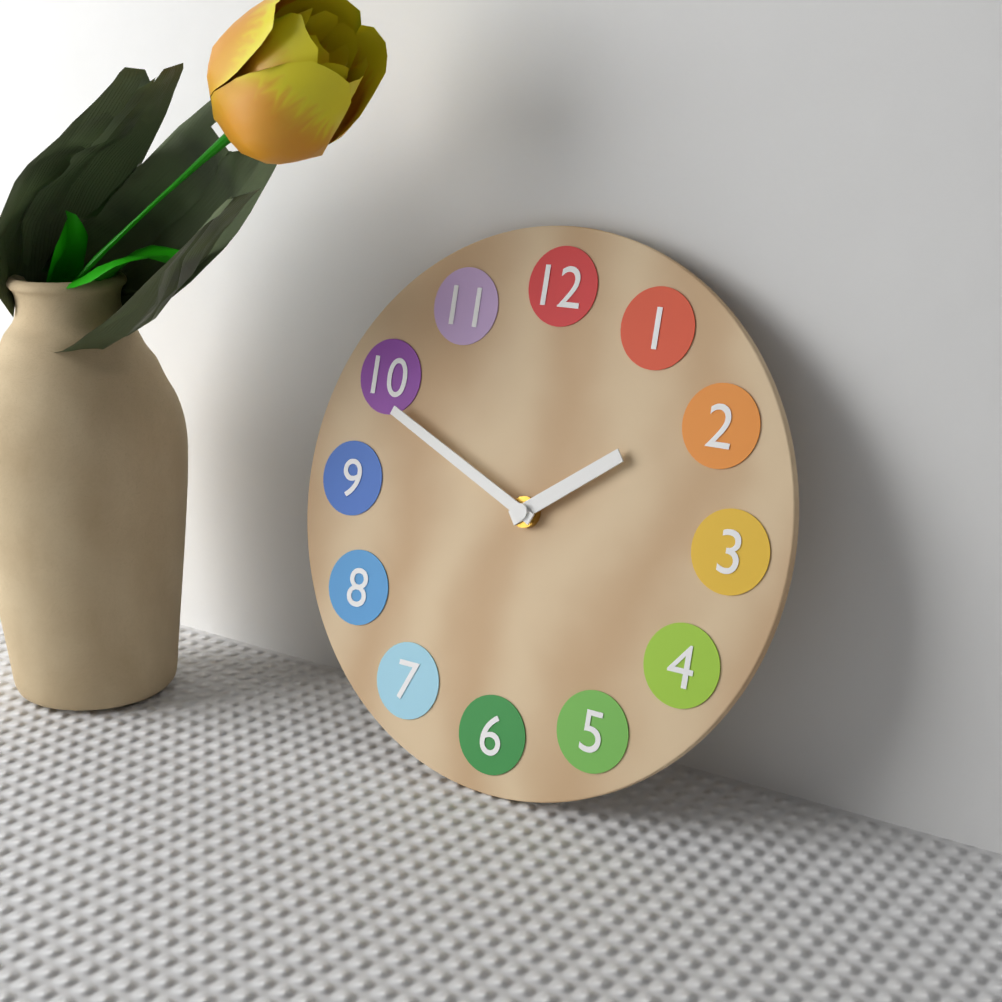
{"hour": 1, "minute": 49}
